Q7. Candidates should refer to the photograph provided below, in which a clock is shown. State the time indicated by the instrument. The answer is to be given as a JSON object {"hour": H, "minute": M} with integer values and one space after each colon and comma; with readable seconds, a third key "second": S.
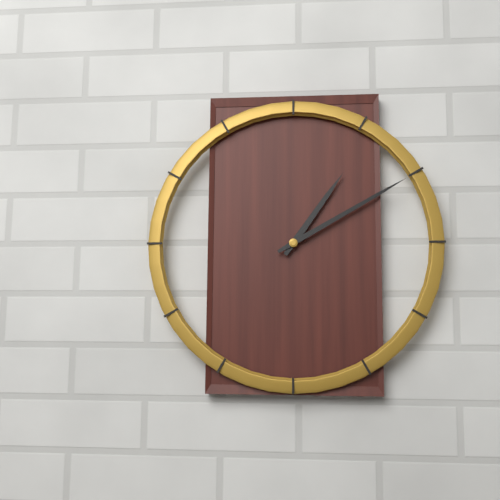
{"hour": 1, "minute": 10}
